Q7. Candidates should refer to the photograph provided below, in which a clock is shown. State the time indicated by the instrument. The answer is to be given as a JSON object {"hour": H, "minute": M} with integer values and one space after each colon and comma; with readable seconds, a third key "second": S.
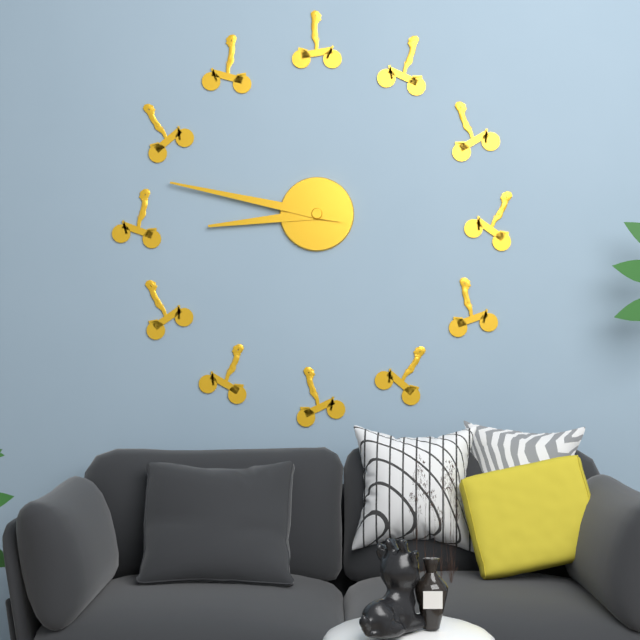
{"hour": 8, "minute": 47}
